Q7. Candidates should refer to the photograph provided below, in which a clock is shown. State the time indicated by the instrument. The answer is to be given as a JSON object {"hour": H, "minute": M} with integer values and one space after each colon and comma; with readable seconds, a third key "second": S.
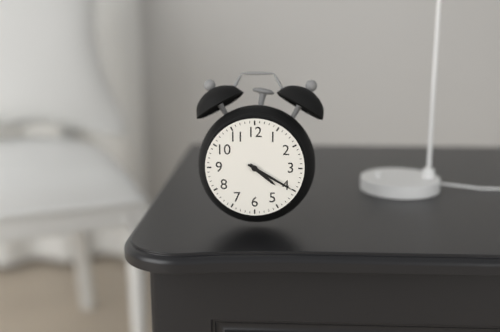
{"hour": 4, "minute": 20}
